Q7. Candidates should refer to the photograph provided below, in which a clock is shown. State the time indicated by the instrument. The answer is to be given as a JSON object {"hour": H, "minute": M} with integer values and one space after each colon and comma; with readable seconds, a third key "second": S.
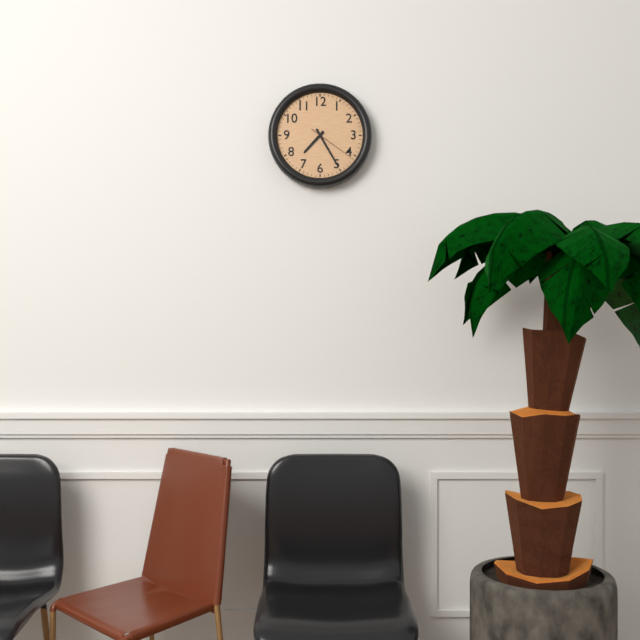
{"hour": 7, "minute": 25}
